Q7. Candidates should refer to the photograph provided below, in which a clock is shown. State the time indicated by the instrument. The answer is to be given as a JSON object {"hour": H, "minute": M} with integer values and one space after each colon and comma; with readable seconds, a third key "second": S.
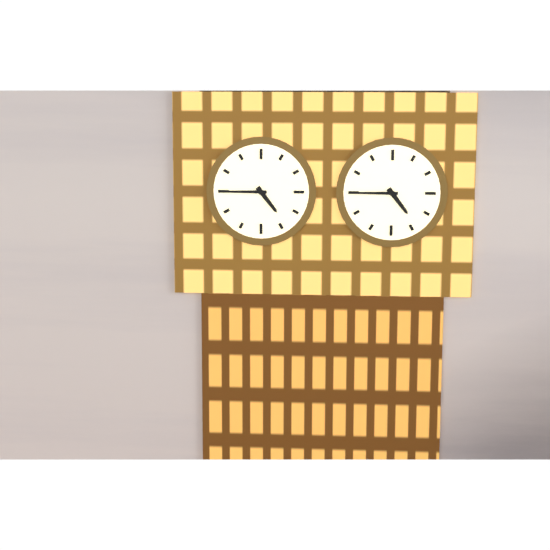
{"hour": 4, "minute": 45}
